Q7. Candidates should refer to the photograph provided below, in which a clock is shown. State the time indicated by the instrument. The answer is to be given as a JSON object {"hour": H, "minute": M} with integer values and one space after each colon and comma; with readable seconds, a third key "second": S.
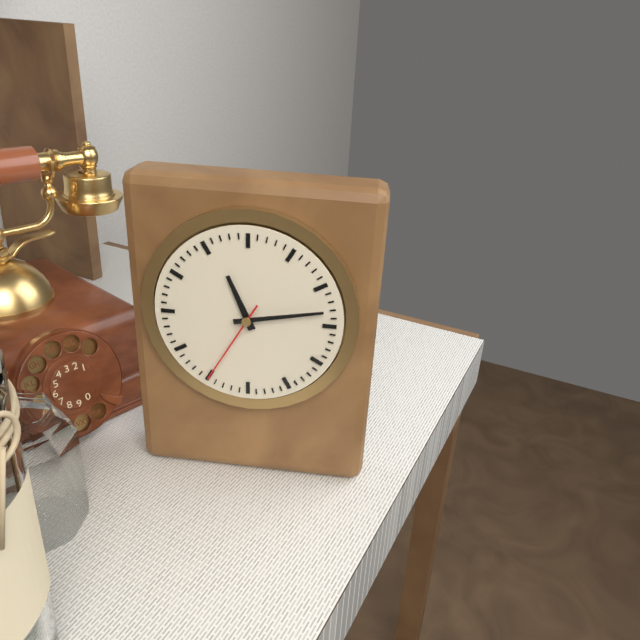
{"hour": 11, "minute": 13, "second": 35}
